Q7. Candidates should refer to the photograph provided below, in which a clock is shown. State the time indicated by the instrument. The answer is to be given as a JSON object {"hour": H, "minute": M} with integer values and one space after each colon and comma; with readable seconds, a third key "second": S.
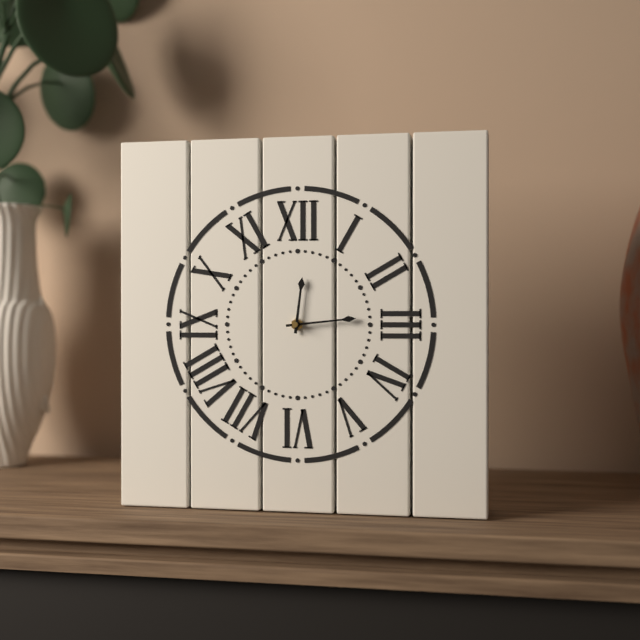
{"hour": 12, "minute": 14}
